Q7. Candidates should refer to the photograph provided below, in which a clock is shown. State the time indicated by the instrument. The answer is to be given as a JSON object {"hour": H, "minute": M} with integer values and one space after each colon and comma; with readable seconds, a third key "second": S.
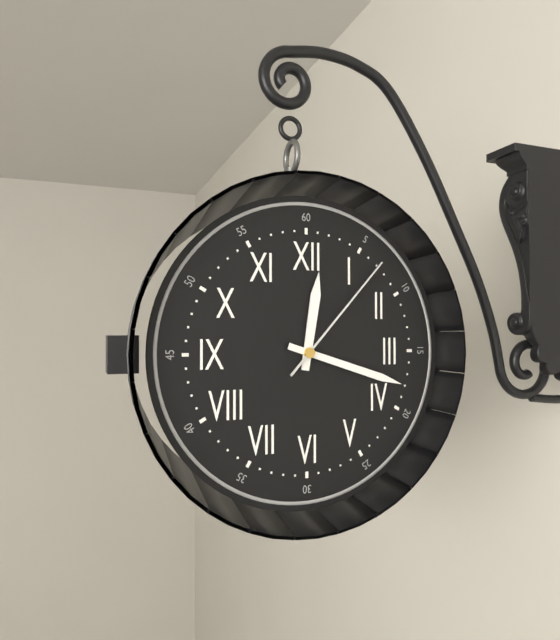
{"hour": 12, "minute": 18, "second": 7}
